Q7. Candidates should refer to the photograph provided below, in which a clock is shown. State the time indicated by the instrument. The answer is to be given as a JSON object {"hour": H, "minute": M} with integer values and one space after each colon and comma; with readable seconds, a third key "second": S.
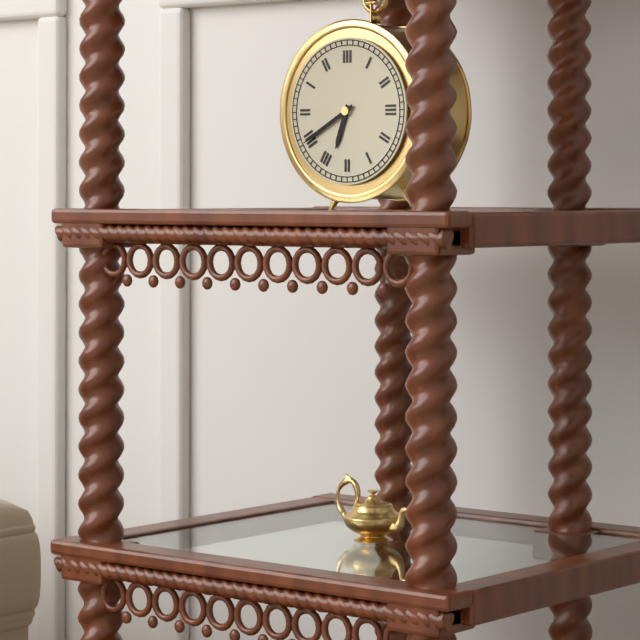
{"hour": 6, "minute": 40}
